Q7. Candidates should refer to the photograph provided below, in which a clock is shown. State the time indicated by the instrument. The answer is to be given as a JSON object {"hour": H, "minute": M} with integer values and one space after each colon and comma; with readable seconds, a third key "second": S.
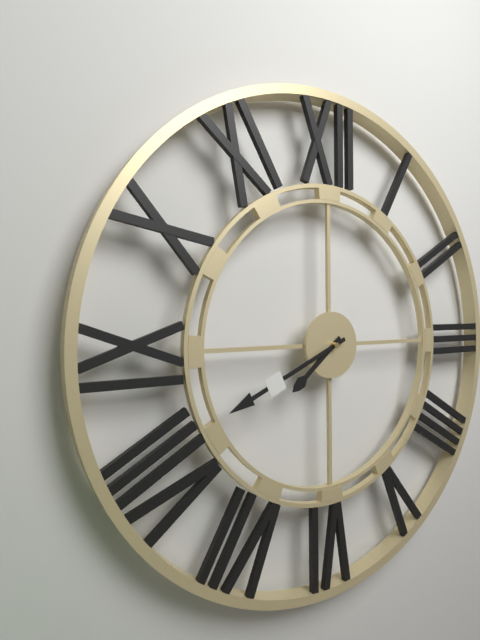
{"hour": 7, "minute": 41}
